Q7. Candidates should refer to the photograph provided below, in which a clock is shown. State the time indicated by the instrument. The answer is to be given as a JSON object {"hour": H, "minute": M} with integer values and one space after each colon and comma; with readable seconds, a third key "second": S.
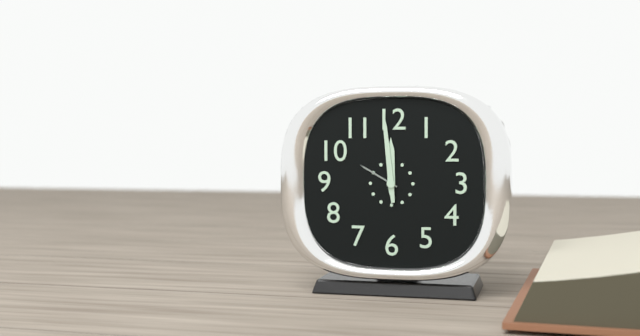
{"hour": 11, "minute": 59}
